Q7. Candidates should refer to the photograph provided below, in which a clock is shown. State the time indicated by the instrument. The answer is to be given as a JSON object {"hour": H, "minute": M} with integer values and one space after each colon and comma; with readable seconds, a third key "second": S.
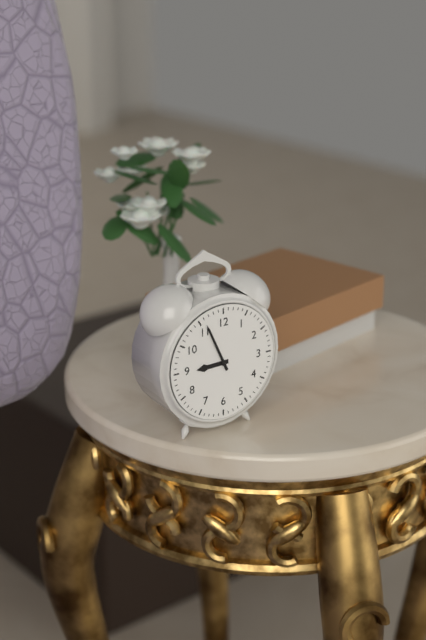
{"hour": 8, "minute": 56}
